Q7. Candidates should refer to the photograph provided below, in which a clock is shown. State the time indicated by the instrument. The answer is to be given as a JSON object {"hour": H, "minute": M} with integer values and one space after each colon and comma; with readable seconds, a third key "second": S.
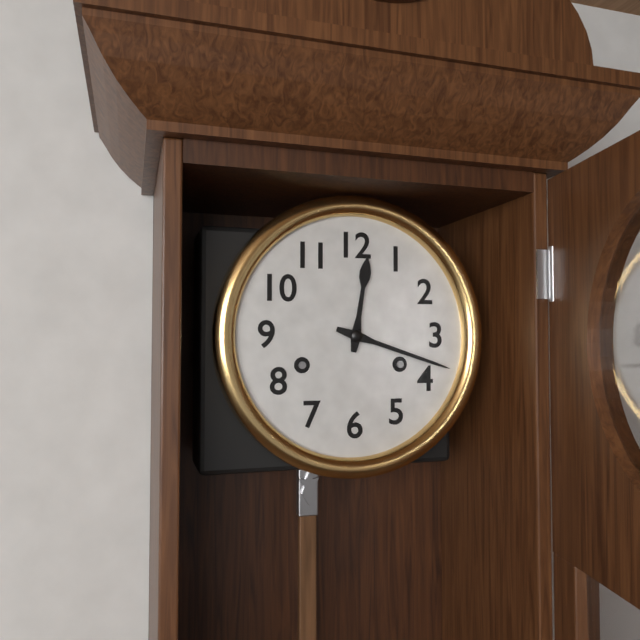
{"hour": 12, "minute": 18}
